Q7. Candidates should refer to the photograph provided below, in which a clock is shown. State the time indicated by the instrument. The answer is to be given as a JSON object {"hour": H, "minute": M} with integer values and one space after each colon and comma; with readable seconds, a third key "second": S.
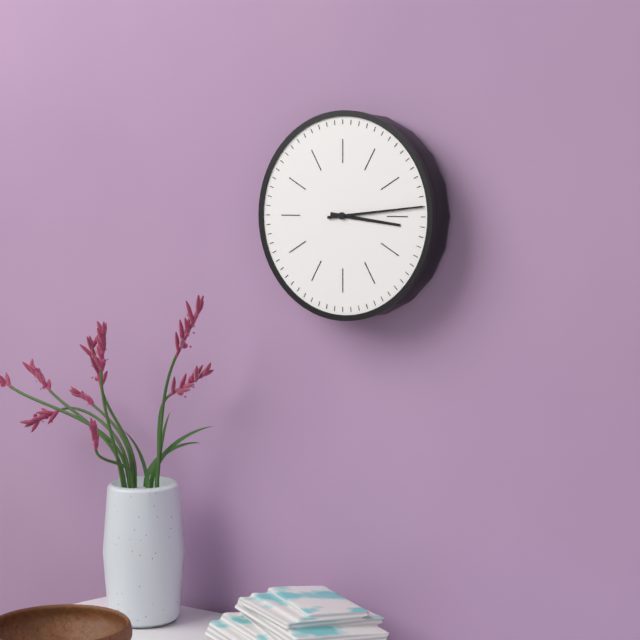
{"hour": 3, "minute": 14}
